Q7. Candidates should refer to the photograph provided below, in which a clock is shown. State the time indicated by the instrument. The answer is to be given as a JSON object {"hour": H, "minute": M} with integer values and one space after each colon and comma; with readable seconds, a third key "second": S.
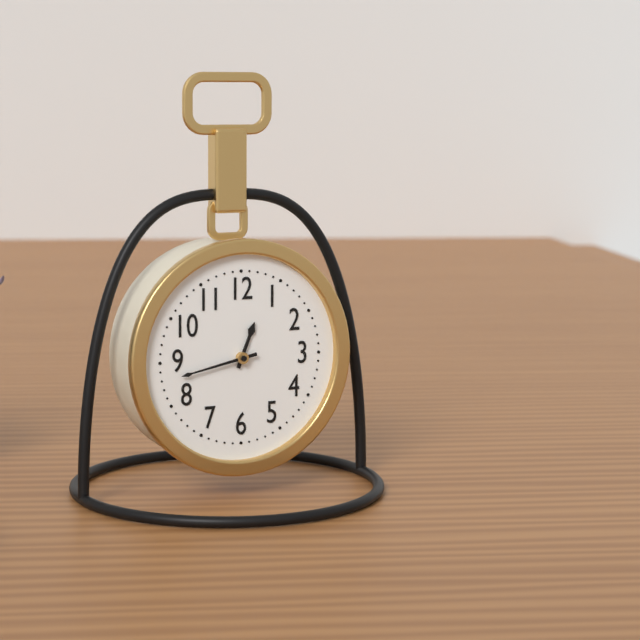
{"hour": 12, "minute": 43}
